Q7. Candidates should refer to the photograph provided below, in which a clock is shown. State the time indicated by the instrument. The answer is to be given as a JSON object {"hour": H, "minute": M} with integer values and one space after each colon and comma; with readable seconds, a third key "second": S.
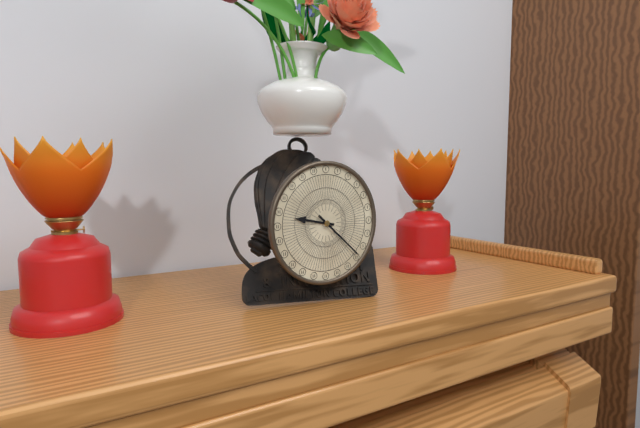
{"hour": 9, "minute": 22}
